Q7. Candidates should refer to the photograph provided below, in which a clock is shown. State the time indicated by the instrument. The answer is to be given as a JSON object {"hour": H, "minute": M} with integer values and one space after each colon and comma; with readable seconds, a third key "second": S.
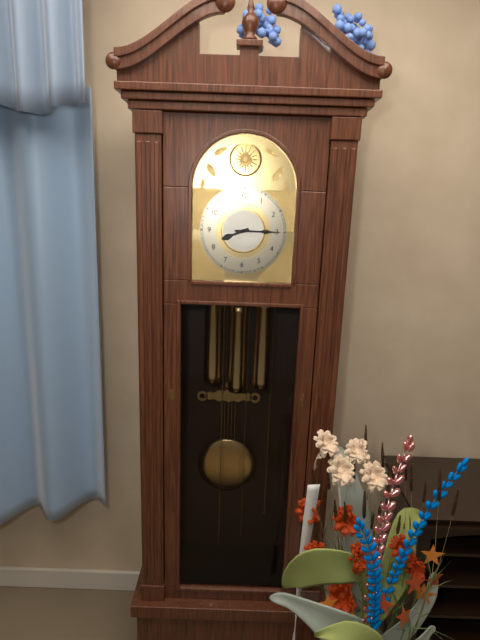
{"hour": 8, "minute": 15}
